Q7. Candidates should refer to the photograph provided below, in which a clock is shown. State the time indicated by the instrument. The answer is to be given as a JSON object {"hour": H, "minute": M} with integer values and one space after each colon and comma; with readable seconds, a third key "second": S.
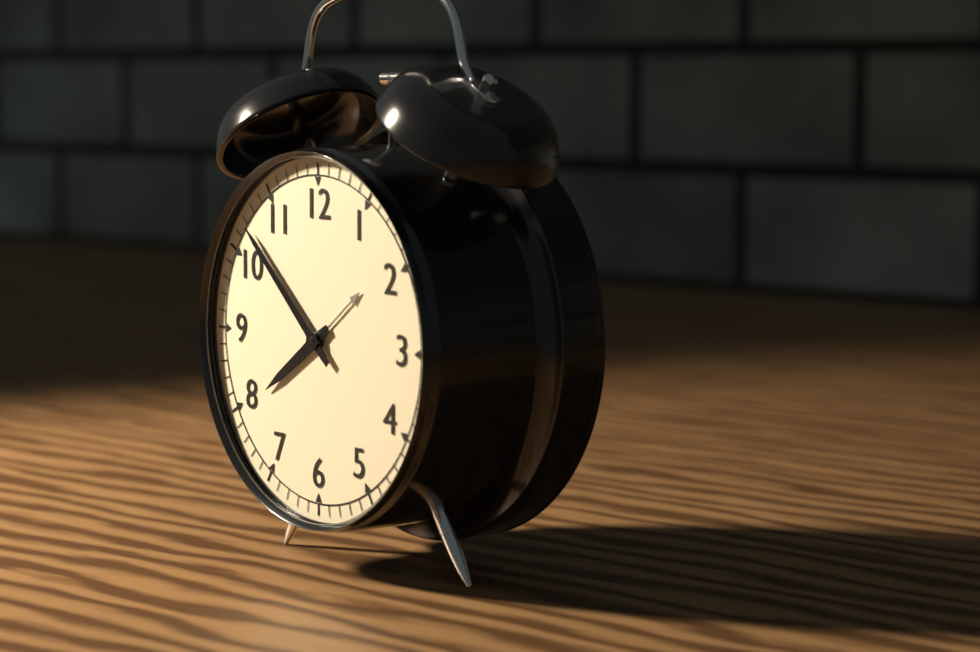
{"hour": 7, "minute": 52}
